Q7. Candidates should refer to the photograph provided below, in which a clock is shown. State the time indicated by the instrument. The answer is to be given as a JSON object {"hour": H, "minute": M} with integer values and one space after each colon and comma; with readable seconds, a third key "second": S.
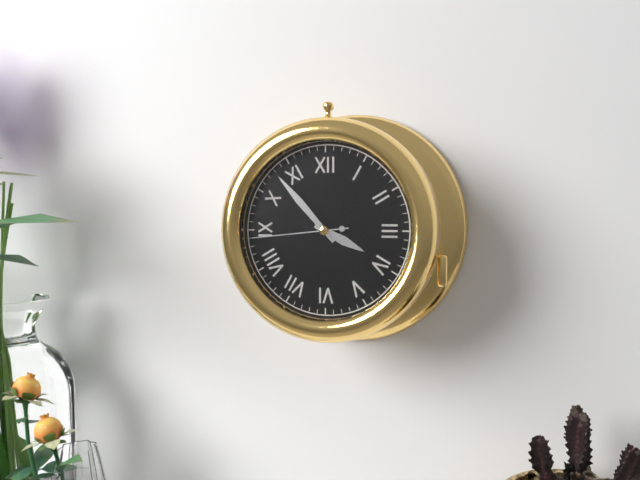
{"hour": 3, "minute": 53, "second": 44}
